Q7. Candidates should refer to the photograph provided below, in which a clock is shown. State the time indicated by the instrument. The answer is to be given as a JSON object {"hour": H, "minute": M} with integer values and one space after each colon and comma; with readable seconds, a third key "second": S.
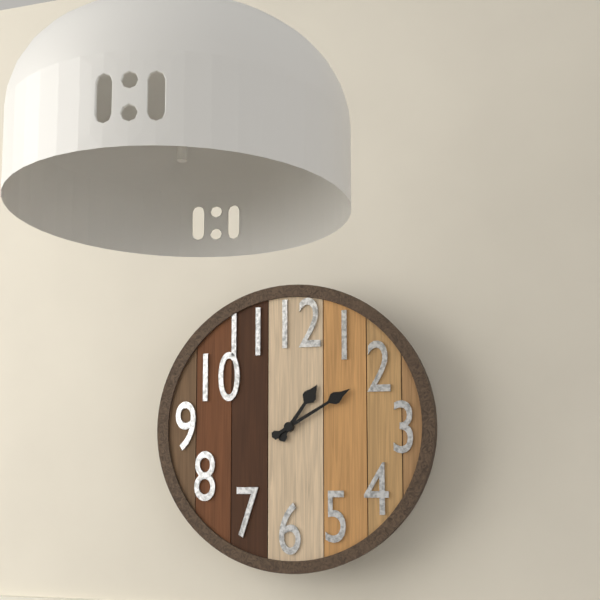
{"hour": 1, "minute": 10}
